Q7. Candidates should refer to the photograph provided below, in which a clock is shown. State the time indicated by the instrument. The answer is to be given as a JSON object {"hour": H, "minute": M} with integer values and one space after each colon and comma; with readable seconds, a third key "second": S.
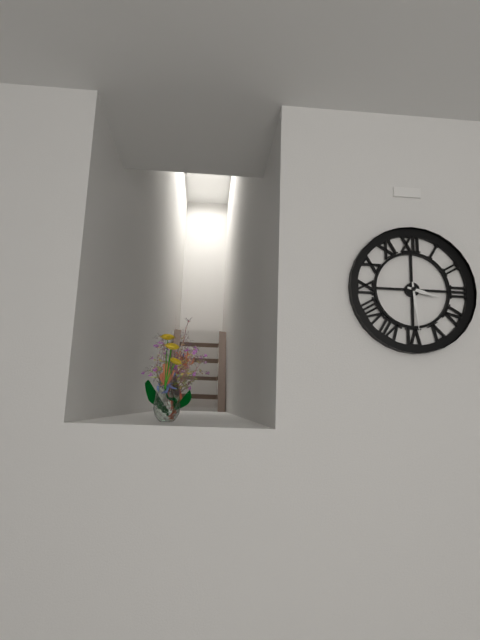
{"hour": 3, "minute": 29}
